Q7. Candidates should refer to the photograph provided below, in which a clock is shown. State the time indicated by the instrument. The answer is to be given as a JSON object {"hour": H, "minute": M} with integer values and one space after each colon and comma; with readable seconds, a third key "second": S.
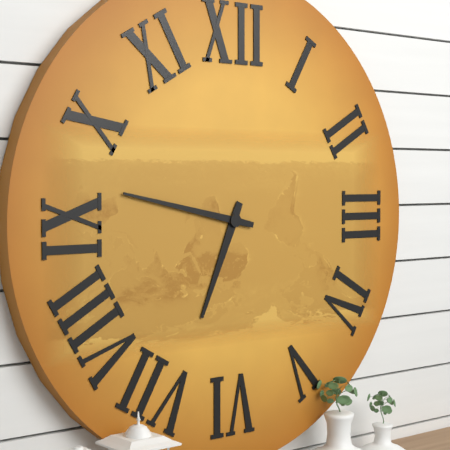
{"hour": 6, "minute": 47}
